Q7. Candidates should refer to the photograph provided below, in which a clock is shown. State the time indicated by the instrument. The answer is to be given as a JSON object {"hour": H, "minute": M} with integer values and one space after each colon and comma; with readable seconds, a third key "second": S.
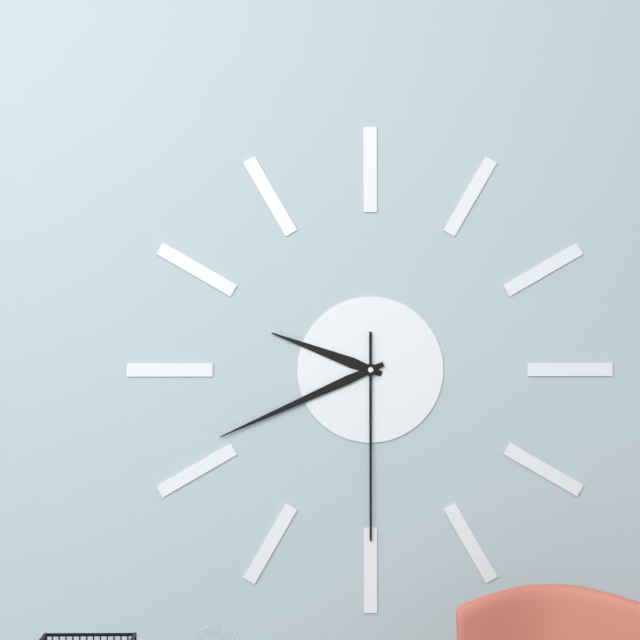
{"hour": 9, "minute": 41, "second": 30}
